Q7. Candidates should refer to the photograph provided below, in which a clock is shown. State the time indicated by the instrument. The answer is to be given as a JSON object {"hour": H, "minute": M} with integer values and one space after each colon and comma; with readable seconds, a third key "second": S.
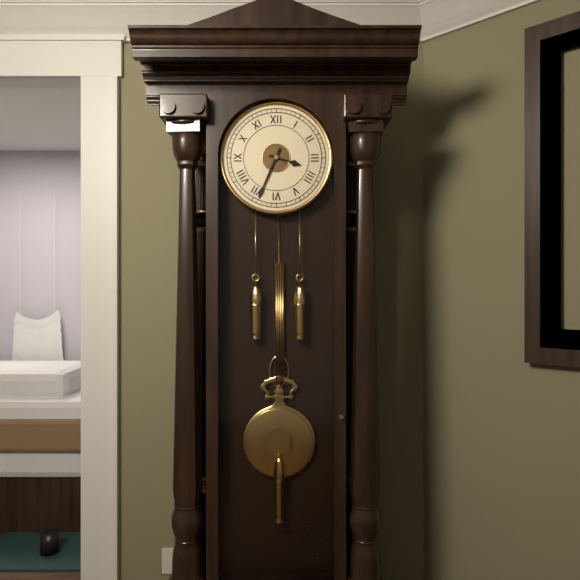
{"hour": 3, "minute": 34}
